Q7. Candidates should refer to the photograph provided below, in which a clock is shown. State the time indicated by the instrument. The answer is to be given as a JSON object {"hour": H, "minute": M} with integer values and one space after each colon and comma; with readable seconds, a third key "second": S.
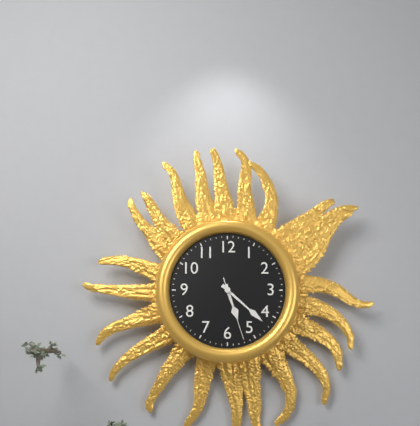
{"hour": 5, "minute": 22, "second": 27}
